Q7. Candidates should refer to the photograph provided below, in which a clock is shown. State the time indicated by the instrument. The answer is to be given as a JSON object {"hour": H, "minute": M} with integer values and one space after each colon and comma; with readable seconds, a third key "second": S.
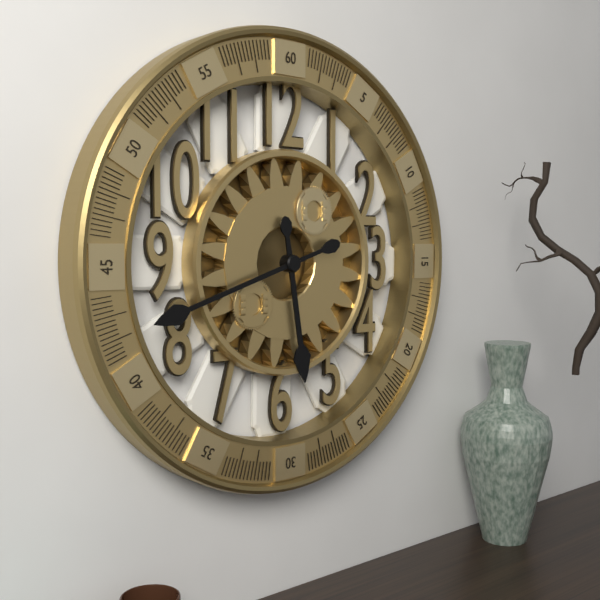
{"hour": 5, "minute": 42}
